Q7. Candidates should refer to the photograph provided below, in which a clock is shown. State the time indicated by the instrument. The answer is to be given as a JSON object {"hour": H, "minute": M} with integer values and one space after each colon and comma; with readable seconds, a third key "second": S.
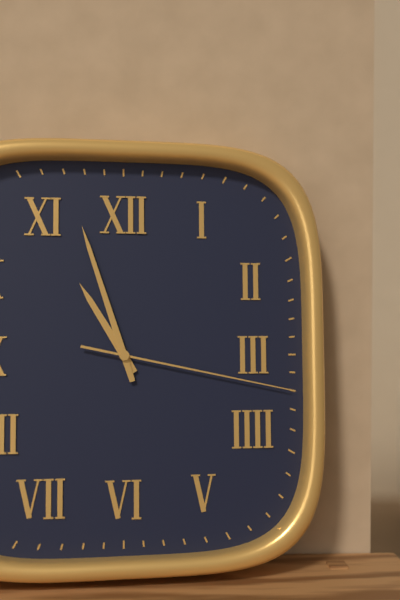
{"hour": 10, "minute": 57, "second": 17}
